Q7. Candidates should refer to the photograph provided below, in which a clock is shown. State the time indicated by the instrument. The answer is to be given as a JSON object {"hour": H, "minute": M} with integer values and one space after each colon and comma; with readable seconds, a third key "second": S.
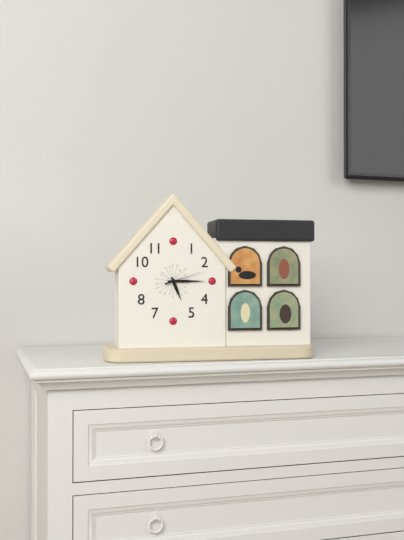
{"hour": 5, "minute": 15}
